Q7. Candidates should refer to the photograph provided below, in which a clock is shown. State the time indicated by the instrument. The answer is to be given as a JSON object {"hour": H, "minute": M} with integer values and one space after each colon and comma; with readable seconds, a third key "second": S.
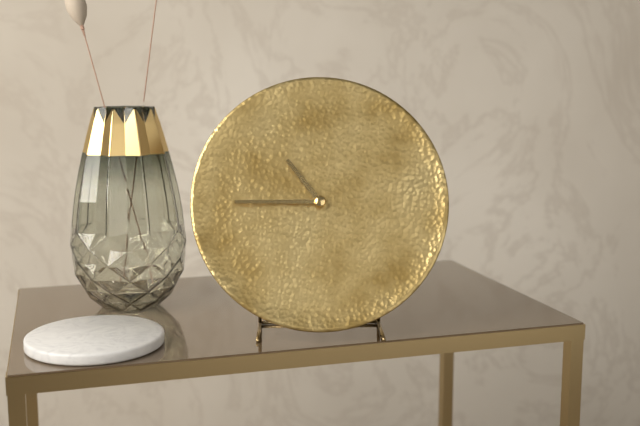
{"hour": 10, "minute": 45}
